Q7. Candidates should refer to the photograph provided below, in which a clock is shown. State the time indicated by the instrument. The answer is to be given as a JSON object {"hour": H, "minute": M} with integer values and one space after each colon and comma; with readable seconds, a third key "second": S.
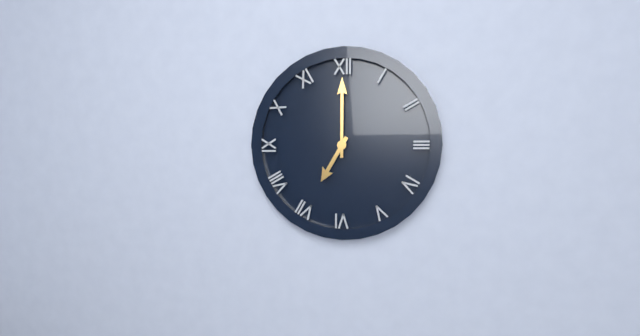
{"hour": 7, "minute": 0}
